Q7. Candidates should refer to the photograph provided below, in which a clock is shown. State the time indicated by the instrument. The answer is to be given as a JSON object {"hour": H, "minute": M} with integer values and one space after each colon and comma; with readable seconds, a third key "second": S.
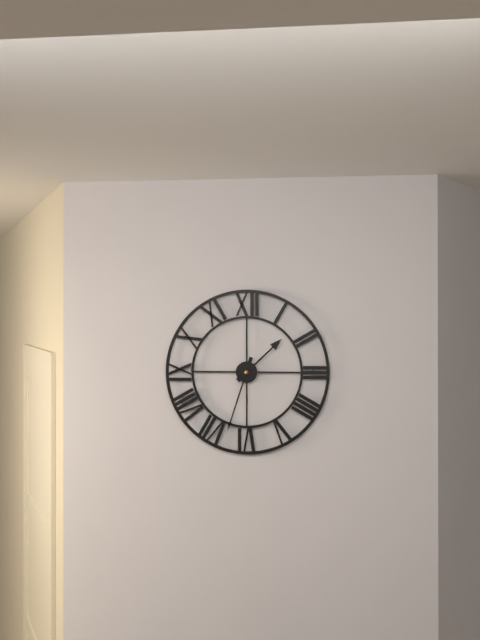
{"hour": 1, "minute": 33}
